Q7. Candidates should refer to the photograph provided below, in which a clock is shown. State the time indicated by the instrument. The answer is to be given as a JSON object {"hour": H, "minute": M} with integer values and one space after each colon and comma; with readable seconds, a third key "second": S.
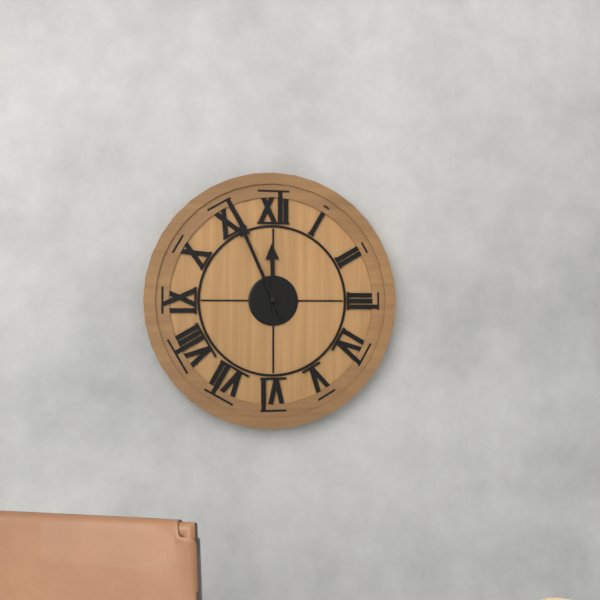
{"hour": 11, "minute": 56}
